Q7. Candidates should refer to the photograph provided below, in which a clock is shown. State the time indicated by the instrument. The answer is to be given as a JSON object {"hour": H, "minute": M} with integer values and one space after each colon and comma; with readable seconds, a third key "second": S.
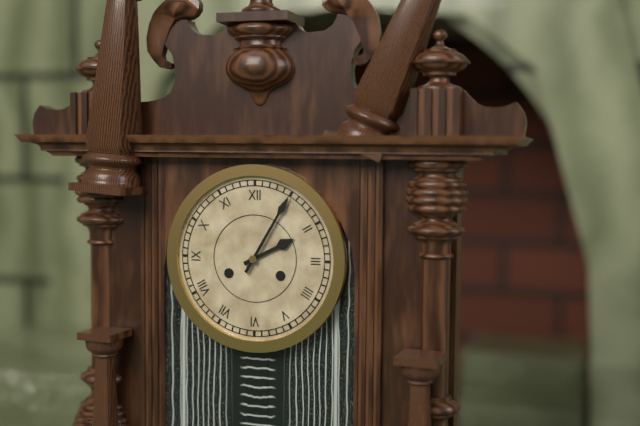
{"hour": 2, "minute": 5}
